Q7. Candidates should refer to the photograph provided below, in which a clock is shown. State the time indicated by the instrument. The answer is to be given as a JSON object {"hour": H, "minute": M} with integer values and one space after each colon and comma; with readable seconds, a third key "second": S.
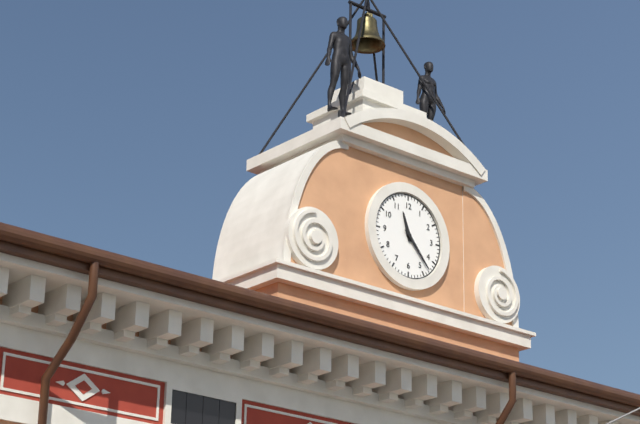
{"hour": 11, "minute": 23}
